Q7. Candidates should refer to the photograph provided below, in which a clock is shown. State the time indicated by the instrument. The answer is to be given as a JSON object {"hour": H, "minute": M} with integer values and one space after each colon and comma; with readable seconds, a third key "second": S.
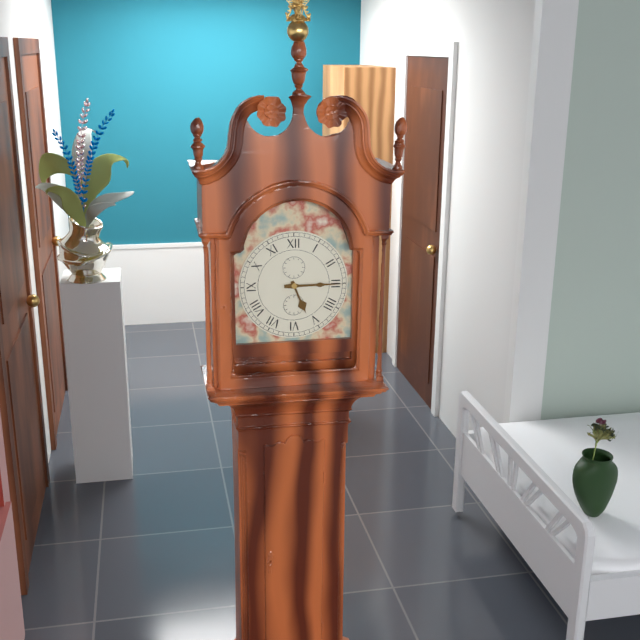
{"hour": 5, "minute": 15}
